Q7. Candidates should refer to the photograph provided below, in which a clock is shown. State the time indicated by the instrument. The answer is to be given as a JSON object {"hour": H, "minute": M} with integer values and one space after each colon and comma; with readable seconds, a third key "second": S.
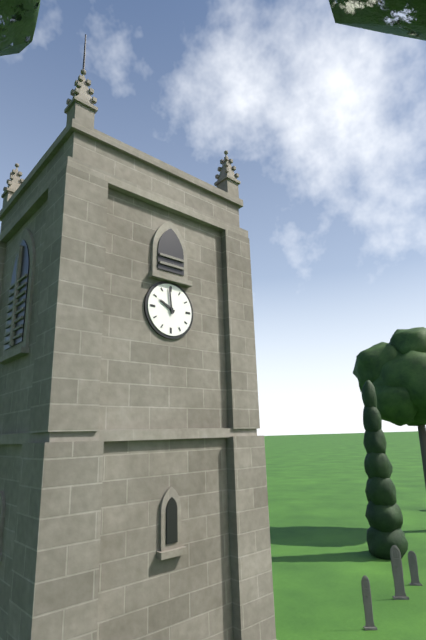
{"hour": 9, "minute": 59}
